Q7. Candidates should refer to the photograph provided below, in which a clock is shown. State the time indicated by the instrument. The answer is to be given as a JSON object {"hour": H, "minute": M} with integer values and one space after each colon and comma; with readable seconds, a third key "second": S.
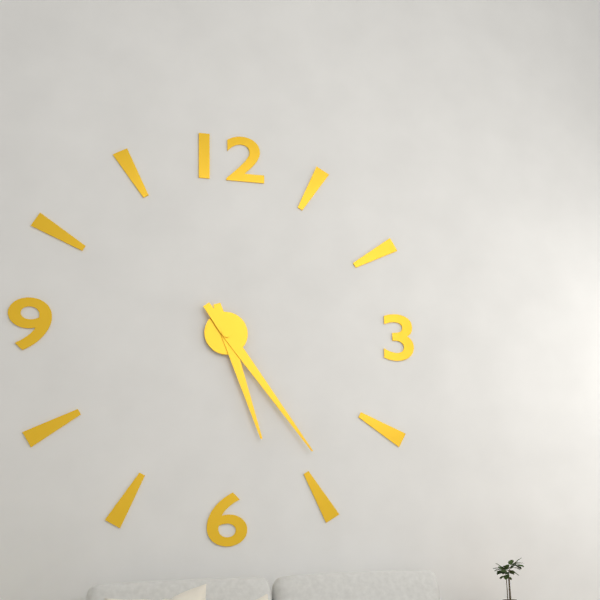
{"hour": 5, "minute": 24}
